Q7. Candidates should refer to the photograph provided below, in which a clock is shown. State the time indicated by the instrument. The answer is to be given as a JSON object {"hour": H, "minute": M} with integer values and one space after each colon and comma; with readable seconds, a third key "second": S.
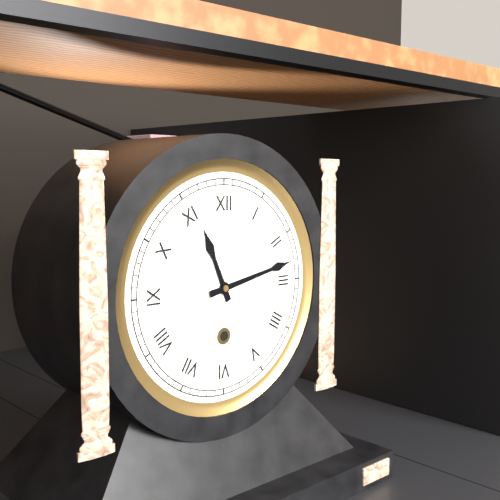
{"hour": 11, "minute": 13}
